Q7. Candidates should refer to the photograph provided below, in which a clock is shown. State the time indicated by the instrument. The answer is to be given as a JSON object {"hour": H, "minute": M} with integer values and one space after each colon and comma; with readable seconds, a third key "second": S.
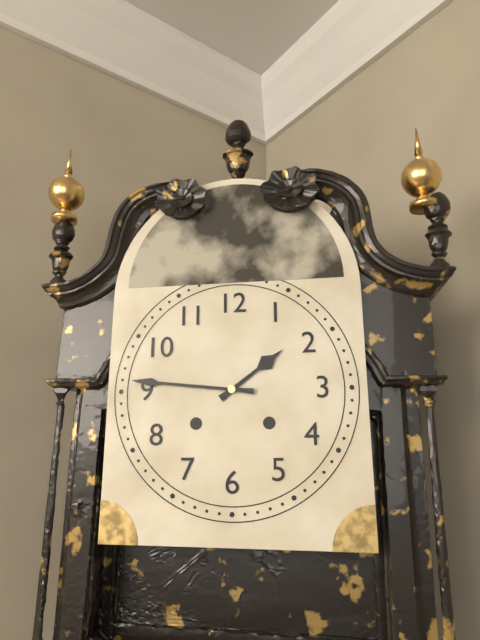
{"hour": 1, "minute": 46}
